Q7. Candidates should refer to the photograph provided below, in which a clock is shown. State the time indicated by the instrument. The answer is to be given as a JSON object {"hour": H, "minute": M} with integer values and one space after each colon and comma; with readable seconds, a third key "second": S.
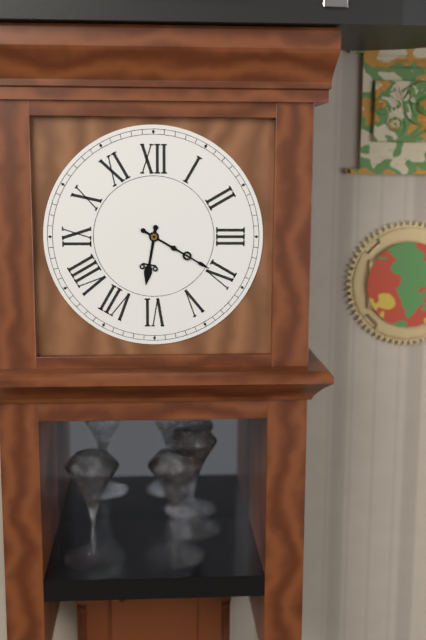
{"hour": 6, "minute": 20}
